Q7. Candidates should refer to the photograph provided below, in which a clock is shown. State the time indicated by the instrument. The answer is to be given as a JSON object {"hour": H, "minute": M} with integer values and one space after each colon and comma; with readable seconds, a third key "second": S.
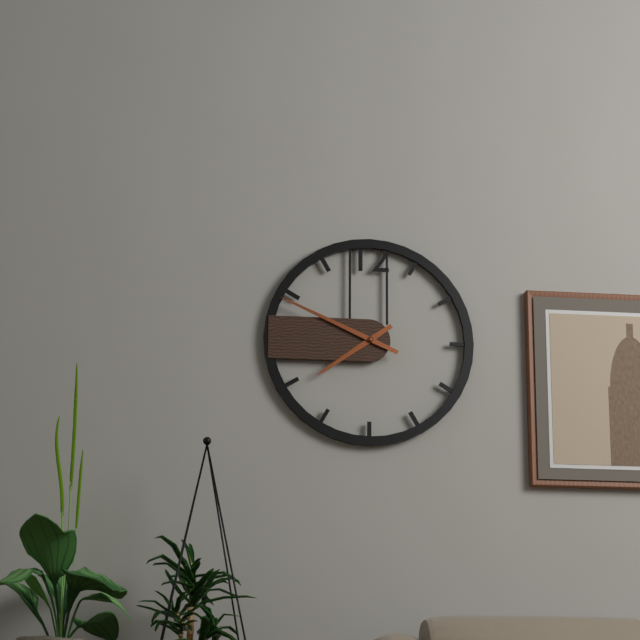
{"hour": 7, "minute": 49}
